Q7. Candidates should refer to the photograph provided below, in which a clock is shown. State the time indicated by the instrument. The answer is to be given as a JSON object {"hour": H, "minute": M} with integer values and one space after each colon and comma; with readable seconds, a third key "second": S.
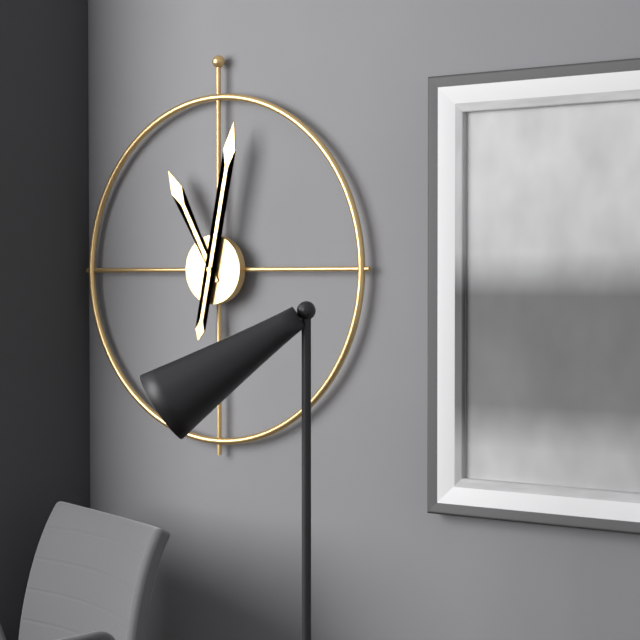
{"hour": 11, "minute": 2}
